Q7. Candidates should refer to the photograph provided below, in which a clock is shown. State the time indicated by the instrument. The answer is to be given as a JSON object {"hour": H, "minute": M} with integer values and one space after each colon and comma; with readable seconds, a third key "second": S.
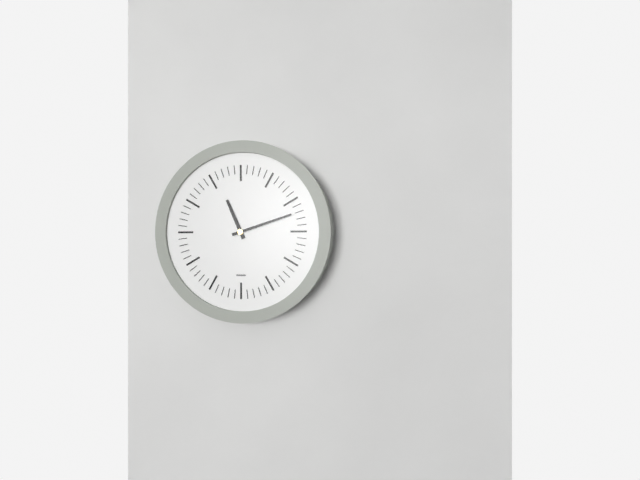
{"hour": 11, "minute": 12}
